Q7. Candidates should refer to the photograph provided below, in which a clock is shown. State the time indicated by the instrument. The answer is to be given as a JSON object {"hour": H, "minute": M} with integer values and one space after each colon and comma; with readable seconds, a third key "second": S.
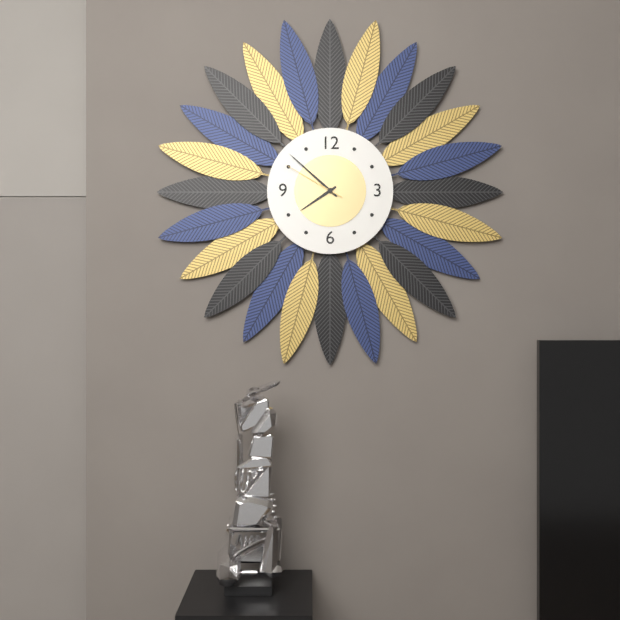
{"hour": 7, "minute": 52, "second": 50}
